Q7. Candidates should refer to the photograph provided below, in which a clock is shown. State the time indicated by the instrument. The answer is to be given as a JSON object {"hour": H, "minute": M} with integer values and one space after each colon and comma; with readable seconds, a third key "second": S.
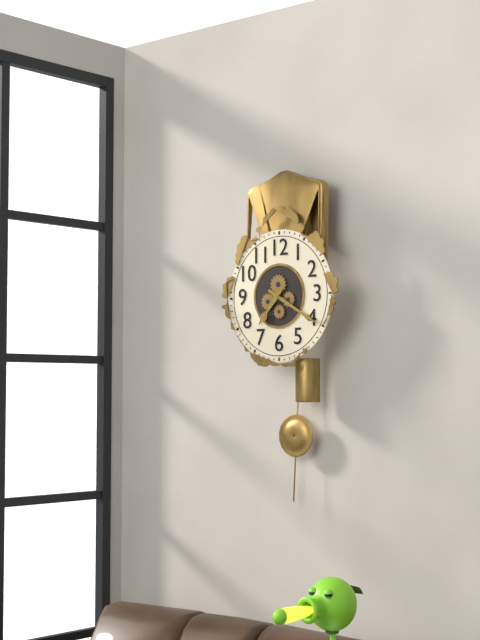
{"hour": 7, "minute": 20}
